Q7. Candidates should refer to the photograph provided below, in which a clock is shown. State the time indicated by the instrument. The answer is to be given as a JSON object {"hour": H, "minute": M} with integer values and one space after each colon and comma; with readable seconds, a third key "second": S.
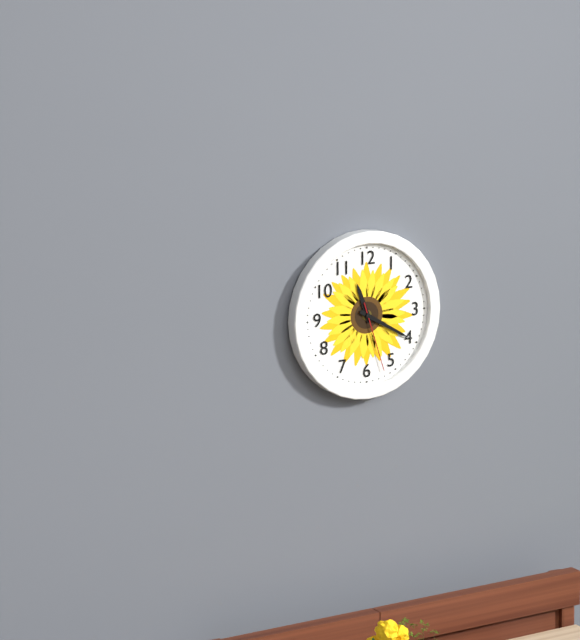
{"hour": 11, "minute": 20, "second": 27}
